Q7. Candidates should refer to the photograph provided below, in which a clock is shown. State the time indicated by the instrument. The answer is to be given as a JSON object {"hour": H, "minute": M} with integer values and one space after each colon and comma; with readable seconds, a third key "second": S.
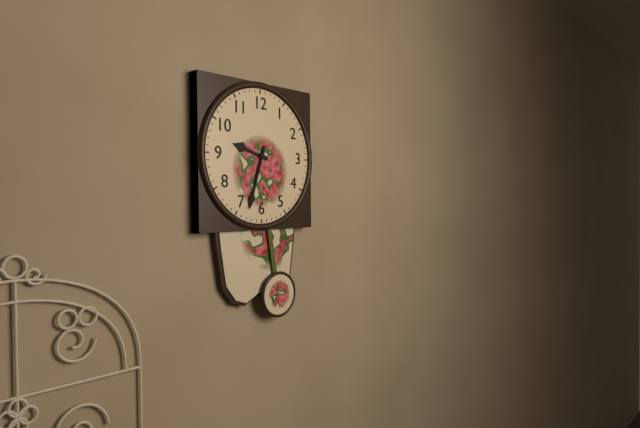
{"hour": 9, "minute": 33}
